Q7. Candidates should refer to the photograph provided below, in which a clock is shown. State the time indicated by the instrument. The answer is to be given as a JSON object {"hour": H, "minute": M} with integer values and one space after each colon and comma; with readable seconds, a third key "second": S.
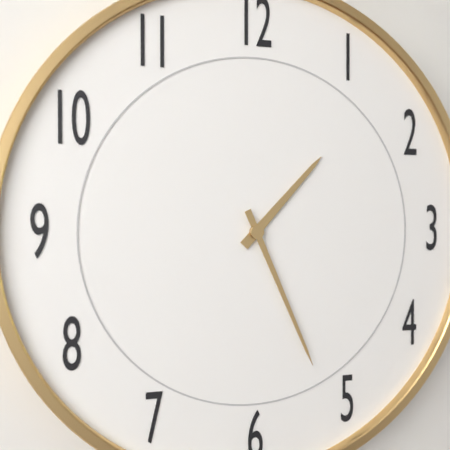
{"hour": 1, "minute": 26}
